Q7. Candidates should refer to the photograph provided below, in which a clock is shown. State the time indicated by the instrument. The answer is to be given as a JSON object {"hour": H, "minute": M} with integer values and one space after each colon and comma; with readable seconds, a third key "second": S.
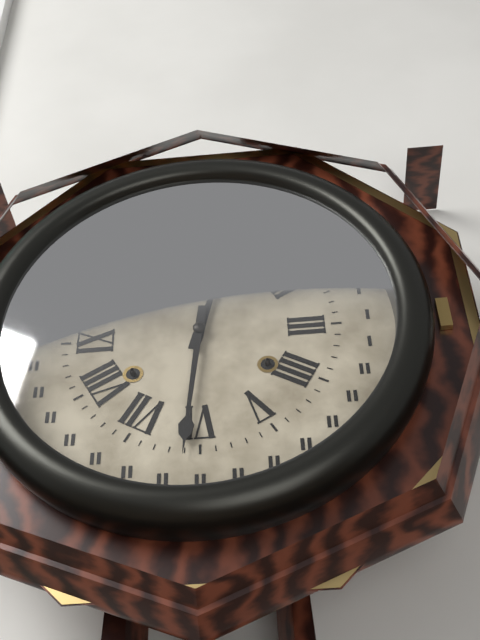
{"hour": 12, "minute": 31}
